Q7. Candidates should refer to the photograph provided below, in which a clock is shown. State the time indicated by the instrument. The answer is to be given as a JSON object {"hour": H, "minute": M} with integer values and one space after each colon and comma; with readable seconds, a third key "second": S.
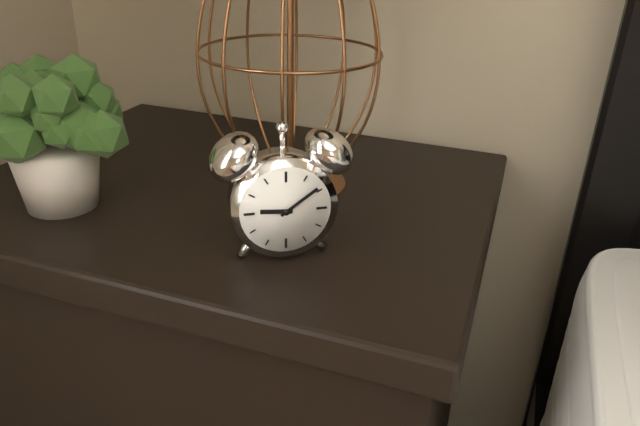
{"hour": 9, "minute": 9}
